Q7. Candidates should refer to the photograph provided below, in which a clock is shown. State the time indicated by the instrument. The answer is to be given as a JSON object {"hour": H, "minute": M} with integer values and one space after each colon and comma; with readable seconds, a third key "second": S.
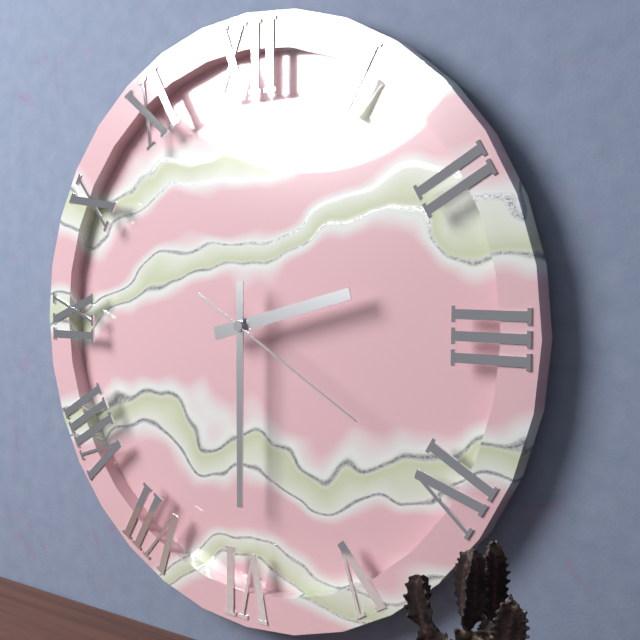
{"hour": 2, "minute": 30, "second": 20}
